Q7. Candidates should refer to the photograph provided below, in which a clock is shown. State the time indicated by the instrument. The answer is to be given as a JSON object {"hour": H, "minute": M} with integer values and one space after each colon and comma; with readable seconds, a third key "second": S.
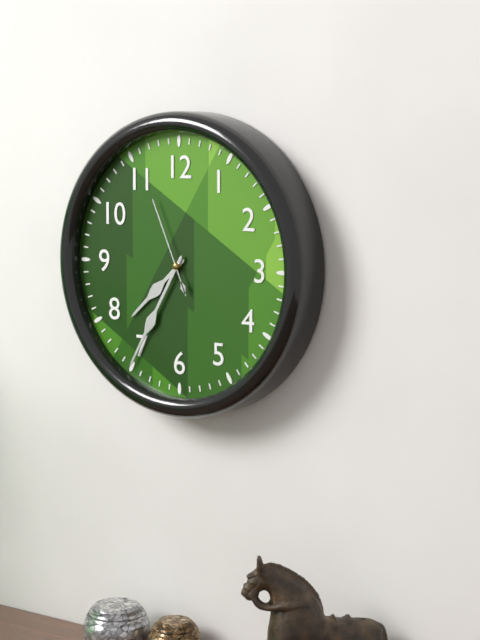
{"hour": 7, "minute": 35, "second": 56}
